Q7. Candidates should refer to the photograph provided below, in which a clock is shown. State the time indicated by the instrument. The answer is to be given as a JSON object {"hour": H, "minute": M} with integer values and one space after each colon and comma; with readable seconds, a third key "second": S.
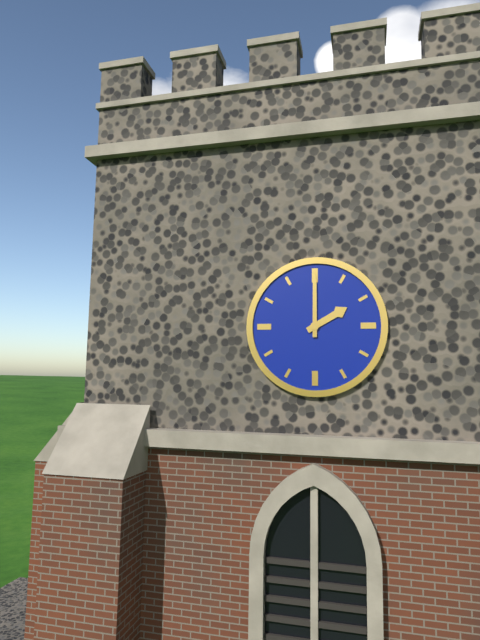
{"hour": 2, "minute": 0}
